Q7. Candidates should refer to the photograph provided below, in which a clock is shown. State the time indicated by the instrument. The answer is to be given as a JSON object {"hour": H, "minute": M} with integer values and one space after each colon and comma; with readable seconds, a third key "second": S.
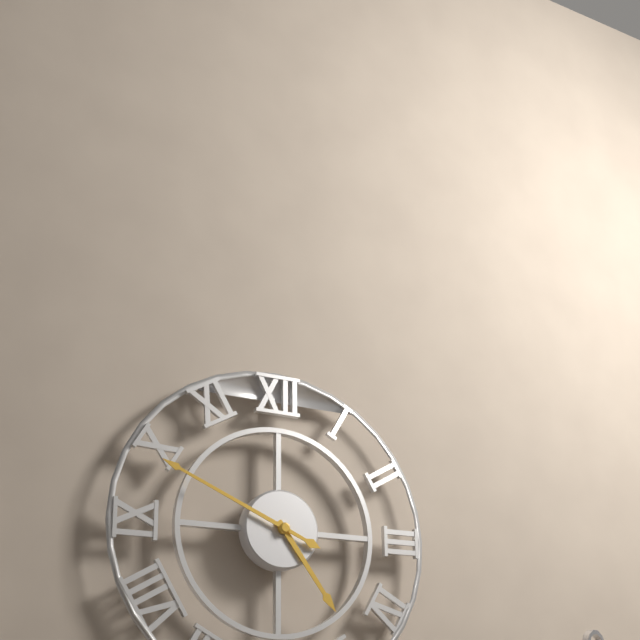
{"hour": 4, "minute": 49}
